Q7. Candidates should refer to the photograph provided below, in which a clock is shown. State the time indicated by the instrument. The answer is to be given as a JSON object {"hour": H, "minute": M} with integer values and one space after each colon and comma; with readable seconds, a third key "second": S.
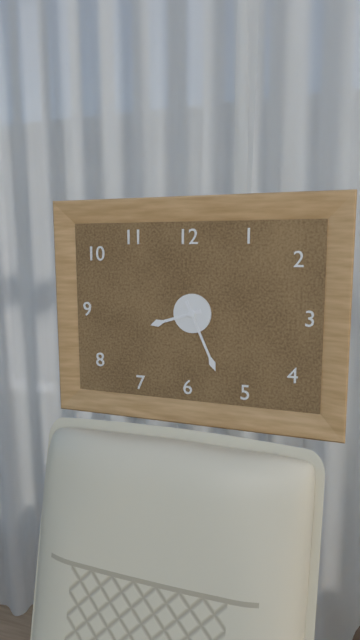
{"hour": 8, "minute": 26}
